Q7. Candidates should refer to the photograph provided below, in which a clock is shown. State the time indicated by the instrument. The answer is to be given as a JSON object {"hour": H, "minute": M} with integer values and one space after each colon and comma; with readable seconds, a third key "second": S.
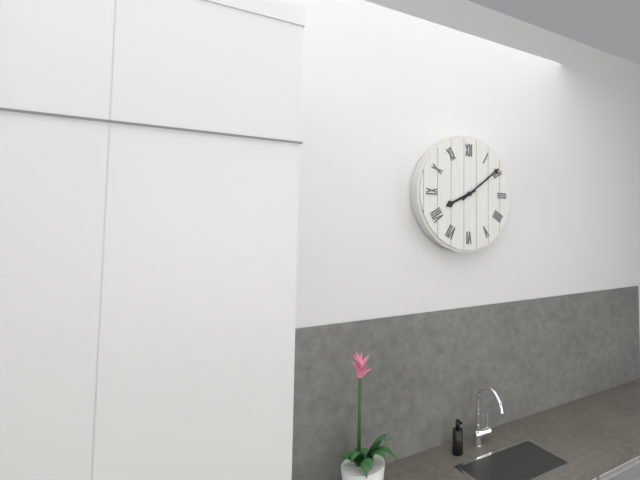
{"hour": 8, "minute": 9}
